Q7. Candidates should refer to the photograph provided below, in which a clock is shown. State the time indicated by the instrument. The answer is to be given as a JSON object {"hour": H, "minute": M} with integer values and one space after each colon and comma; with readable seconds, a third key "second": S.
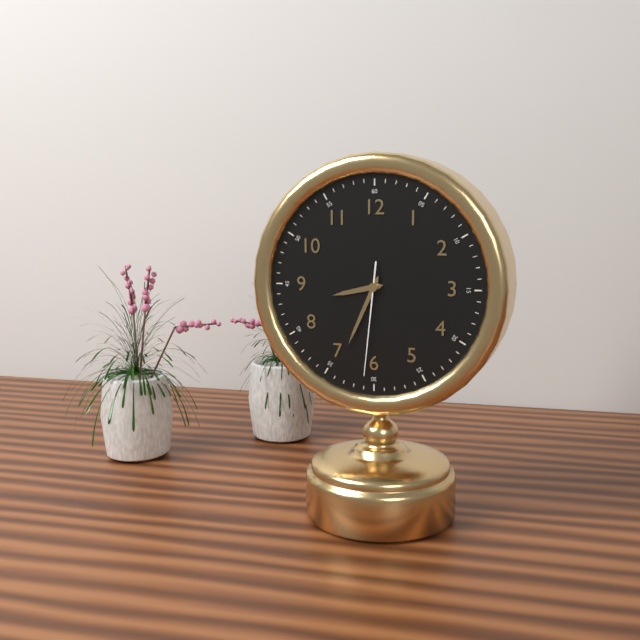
{"hour": 8, "minute": 34, "second": 31}
